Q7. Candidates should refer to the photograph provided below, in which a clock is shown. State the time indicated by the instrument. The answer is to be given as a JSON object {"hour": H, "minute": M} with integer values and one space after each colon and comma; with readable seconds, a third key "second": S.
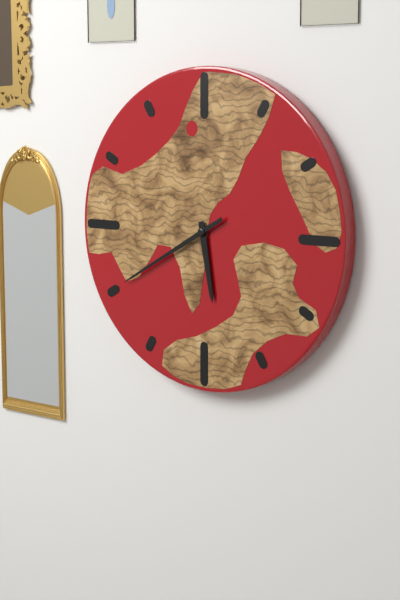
{"hour": 5, "minute": 40}
